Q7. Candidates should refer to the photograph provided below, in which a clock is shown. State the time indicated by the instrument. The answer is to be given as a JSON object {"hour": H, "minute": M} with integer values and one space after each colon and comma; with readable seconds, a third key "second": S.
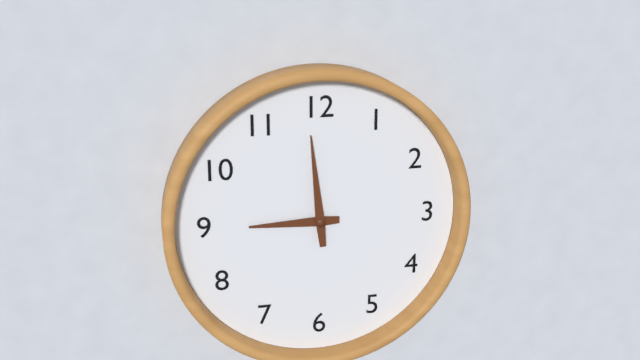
{"hour": 8, "minute": 59}
